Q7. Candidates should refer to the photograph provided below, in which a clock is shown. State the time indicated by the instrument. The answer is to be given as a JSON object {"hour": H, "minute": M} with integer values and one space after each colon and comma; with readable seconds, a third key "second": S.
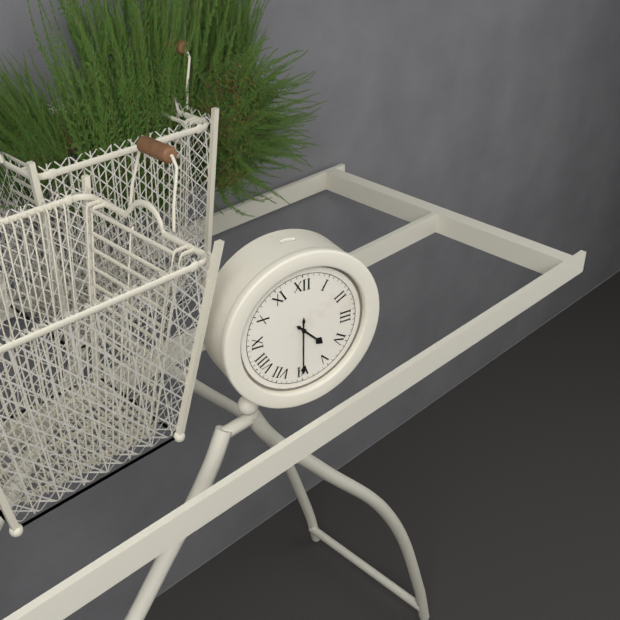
{"hour": 4, "minute": 30}
